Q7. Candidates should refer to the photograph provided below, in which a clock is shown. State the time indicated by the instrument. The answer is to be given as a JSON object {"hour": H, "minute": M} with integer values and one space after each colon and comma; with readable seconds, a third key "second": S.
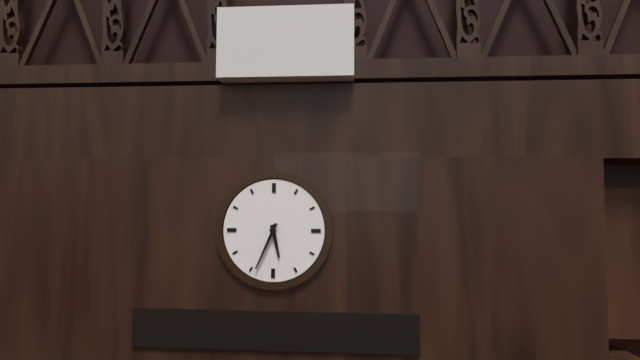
{"hour": 5, "minute": 34}
